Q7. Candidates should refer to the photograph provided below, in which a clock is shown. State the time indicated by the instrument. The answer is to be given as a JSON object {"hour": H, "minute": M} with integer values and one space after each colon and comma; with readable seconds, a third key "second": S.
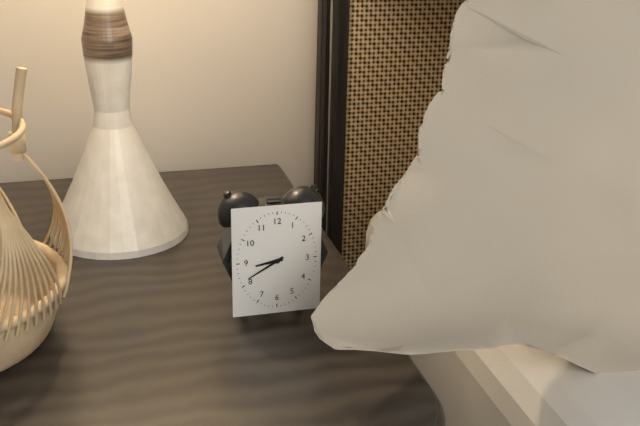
{"hour": 8, "minute": 40}
